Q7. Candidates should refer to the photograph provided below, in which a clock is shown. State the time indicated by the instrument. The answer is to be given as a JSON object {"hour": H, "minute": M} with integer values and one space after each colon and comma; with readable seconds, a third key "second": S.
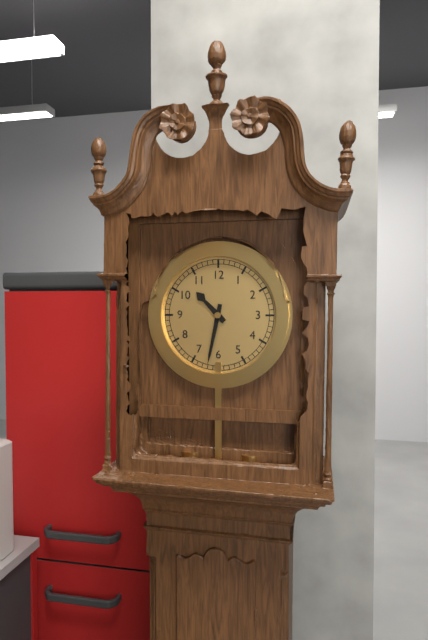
{"hour": 10, "minute": 32}
